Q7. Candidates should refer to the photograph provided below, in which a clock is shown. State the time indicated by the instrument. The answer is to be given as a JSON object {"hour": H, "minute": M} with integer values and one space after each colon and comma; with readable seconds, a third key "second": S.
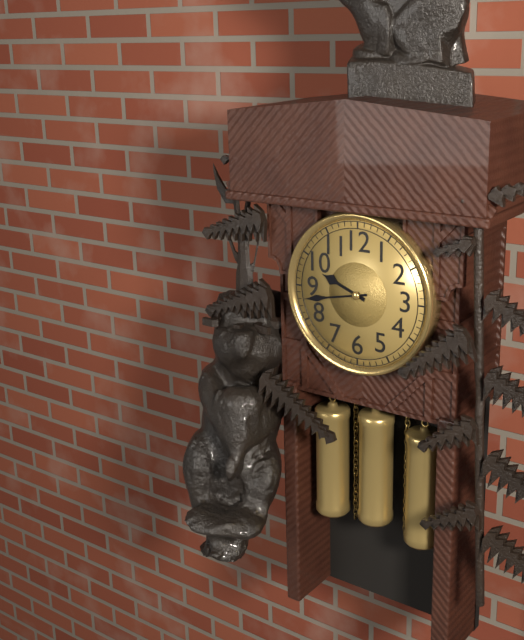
{"hour": 9, "minute": 43}
